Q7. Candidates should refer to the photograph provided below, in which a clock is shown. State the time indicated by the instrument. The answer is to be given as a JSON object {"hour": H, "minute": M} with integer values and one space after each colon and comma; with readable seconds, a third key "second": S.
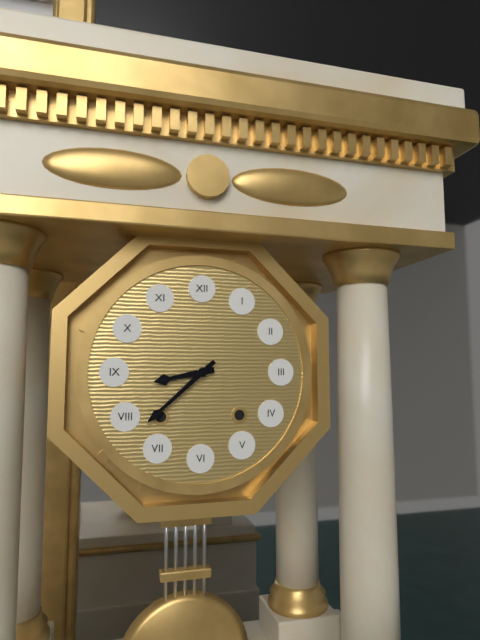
{"hour": 8, "minute": 38}
